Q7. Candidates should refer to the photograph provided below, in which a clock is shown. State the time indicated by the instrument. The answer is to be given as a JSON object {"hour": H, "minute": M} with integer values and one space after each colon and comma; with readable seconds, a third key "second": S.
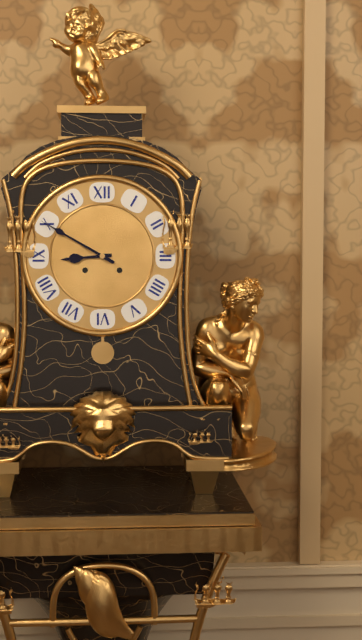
{"hour": 8, "minute": 50}
